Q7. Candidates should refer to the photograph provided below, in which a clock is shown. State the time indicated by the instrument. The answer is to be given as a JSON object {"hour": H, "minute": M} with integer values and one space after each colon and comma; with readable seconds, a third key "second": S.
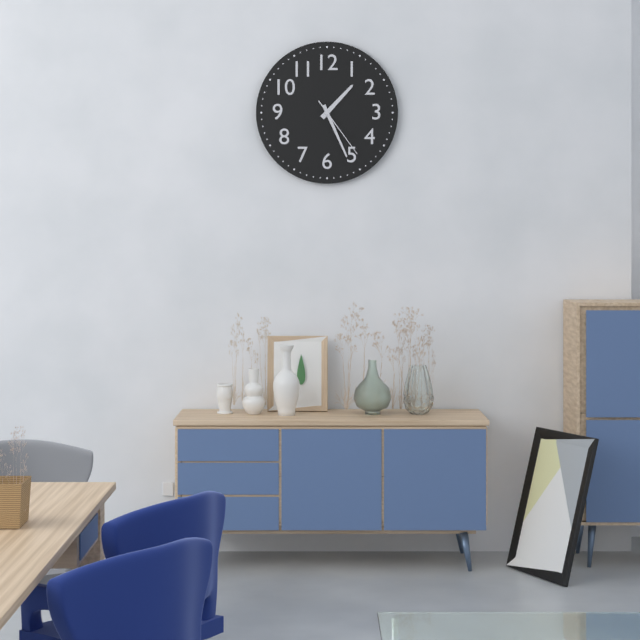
{"hour": 1, "minute": 26, "second": 24}
